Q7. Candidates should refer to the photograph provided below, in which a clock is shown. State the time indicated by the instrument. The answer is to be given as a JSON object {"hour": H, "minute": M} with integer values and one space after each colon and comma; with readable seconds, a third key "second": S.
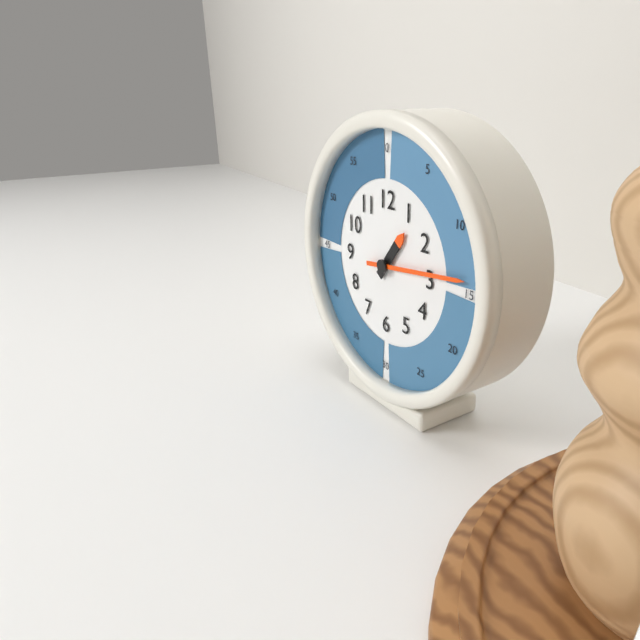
{"hour": 1, "minute": 14}
